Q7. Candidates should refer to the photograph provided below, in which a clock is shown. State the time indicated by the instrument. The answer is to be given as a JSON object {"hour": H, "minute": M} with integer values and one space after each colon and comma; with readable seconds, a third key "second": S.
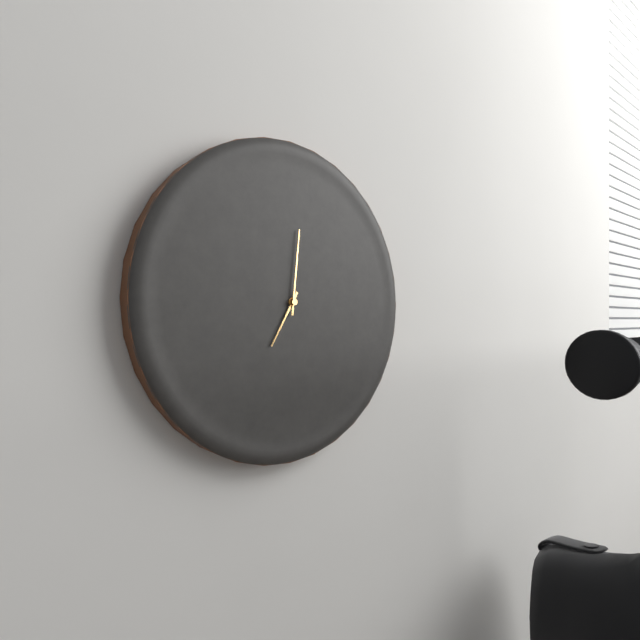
{"hour": 7, "minute": 1}
